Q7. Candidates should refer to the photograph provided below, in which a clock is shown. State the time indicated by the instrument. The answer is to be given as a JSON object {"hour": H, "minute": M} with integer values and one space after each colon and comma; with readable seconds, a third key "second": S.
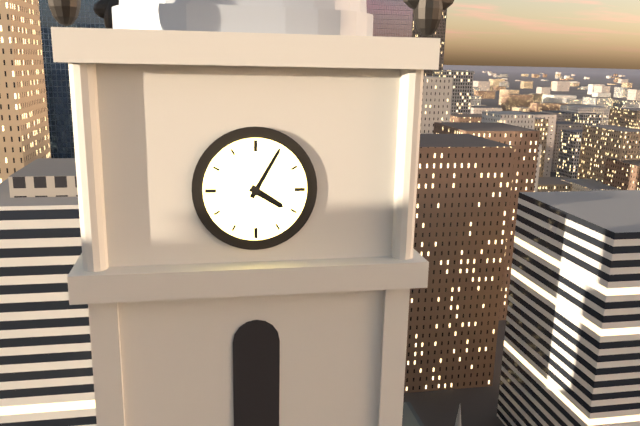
{"hour": 4, "minute": 5}
